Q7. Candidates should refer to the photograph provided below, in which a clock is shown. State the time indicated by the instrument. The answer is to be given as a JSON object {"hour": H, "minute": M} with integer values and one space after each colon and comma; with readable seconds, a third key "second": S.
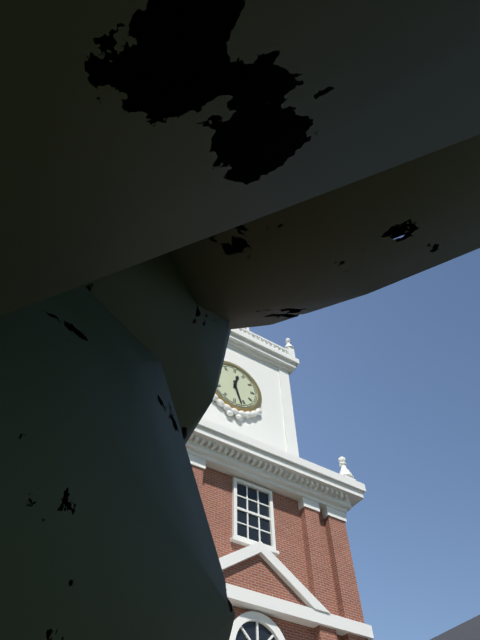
{"hour": 12, "minute": 27}
